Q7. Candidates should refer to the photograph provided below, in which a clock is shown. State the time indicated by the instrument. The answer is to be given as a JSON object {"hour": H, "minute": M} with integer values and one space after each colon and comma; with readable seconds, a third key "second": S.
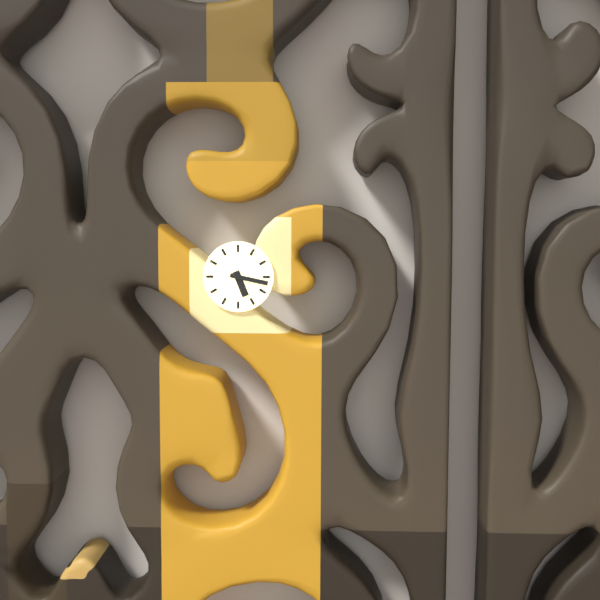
{"hour": 5, "minute": 17}
